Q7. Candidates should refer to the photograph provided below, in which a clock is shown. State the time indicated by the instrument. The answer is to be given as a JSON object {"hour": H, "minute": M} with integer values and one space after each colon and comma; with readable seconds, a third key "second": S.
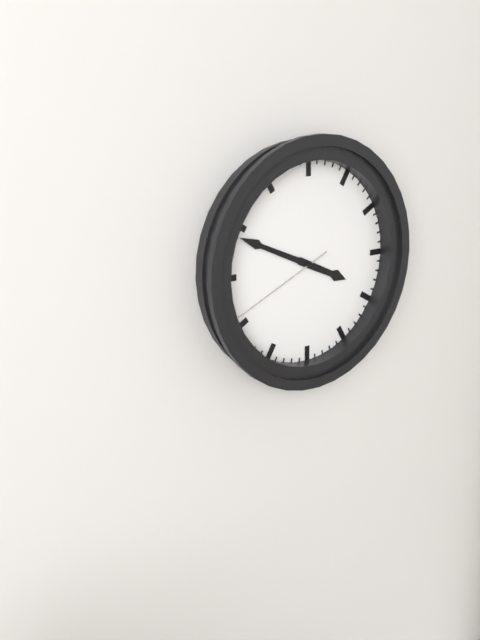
{"hour": 3, "minute": 49, "second": 41}
